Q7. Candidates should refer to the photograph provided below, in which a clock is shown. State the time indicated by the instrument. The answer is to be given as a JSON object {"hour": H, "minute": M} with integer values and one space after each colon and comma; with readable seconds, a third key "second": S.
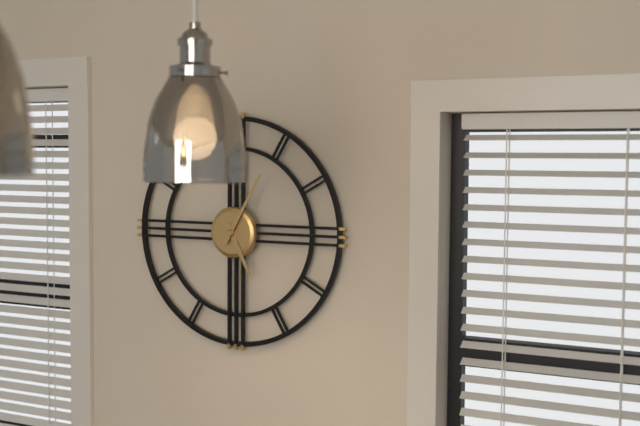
{"hour": 5, "minute": 5}
